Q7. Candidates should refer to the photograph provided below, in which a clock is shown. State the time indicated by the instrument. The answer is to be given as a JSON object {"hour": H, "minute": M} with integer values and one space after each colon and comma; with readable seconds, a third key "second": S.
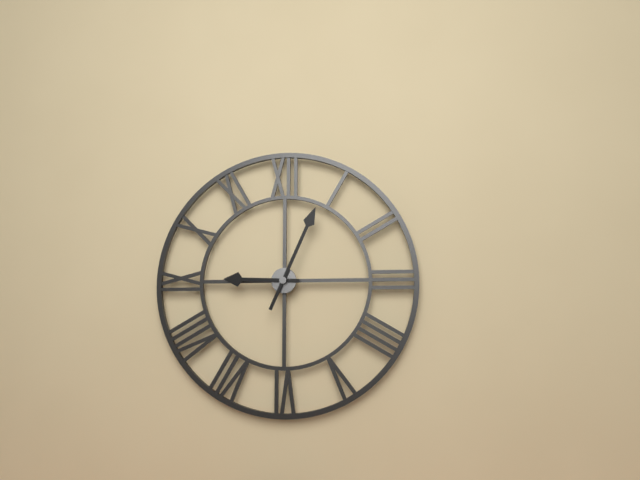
{"hour": 9, "minute": 4}
